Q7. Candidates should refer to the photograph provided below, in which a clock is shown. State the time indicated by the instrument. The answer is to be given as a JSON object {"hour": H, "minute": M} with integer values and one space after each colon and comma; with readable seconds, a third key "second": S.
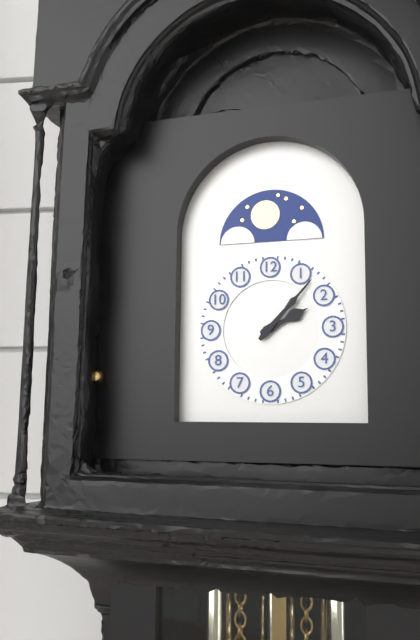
{"hour": 2, "minute": 7}
